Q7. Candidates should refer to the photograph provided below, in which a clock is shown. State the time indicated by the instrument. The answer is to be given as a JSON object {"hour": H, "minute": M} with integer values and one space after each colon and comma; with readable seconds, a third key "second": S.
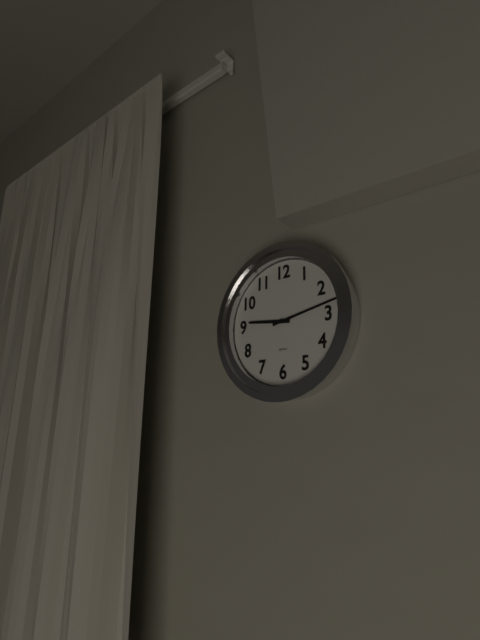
{"hour": 9, "minute": 13}
